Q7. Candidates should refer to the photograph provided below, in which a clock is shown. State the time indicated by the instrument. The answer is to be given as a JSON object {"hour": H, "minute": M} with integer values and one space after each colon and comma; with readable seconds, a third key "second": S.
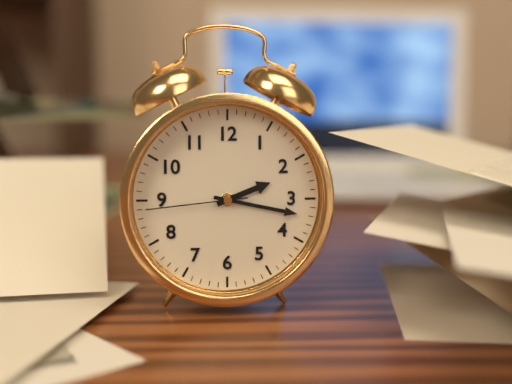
{"hour": 2, "minute": 17, "second": 44}
